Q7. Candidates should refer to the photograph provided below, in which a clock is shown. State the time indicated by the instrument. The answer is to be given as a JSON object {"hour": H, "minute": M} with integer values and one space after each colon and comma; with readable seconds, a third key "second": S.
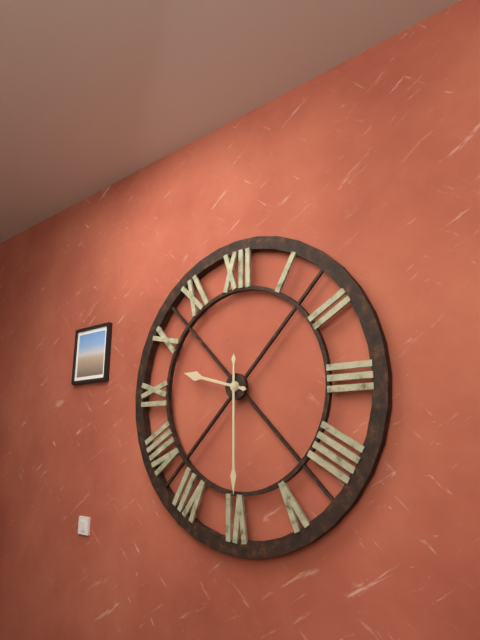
{"hour": 9, "minute": 30}
